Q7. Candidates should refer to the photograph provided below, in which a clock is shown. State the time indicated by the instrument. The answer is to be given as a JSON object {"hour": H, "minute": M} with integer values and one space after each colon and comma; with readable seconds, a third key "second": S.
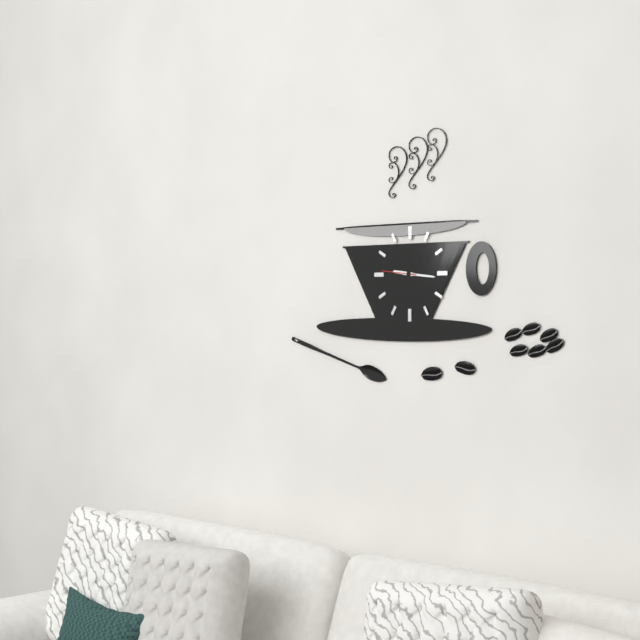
{"hour": 9, "minute": 16}
